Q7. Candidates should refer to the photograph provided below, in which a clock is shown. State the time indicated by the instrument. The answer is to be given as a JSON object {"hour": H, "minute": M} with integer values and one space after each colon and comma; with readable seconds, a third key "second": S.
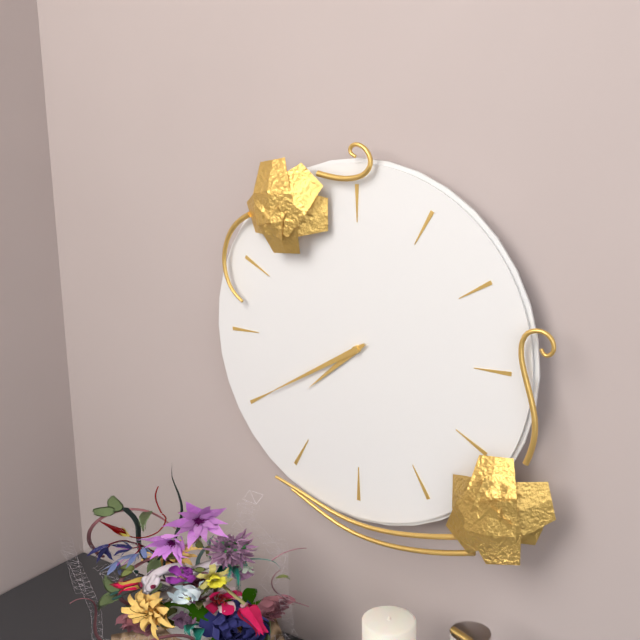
{"hour": 7, "minute": 40}
